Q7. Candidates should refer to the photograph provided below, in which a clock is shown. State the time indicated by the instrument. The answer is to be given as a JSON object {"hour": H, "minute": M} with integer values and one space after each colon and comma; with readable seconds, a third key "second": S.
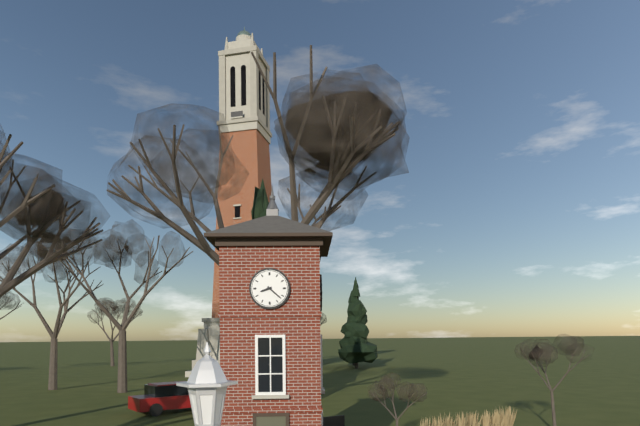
{"hour": 8, "minute": 22}
